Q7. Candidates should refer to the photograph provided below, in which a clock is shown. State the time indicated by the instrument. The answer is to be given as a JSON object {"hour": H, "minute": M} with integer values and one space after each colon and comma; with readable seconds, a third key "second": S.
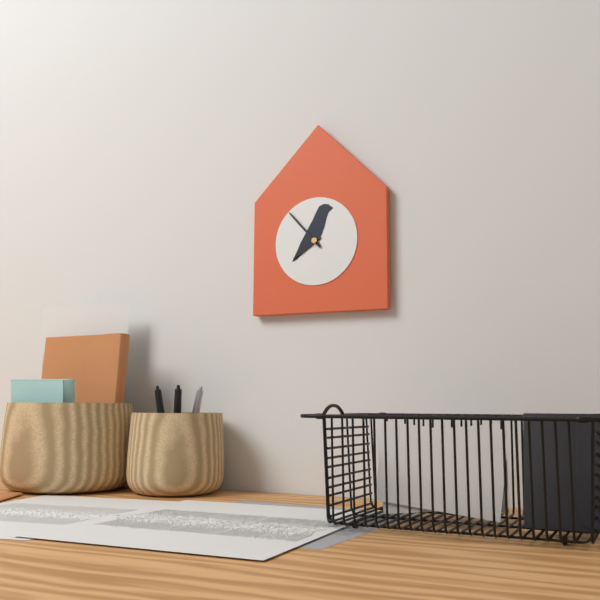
{"hour": 7, "minute": 53}
